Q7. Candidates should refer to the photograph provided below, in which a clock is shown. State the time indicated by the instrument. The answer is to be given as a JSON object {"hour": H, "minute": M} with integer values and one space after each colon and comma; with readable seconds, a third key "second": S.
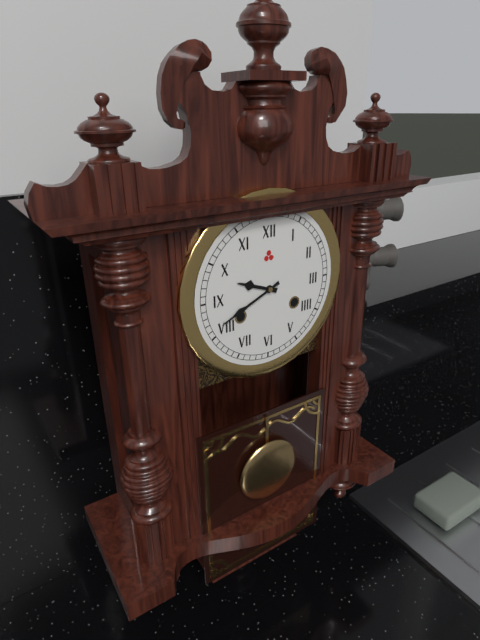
{"hour": 9, "minute": 41}
